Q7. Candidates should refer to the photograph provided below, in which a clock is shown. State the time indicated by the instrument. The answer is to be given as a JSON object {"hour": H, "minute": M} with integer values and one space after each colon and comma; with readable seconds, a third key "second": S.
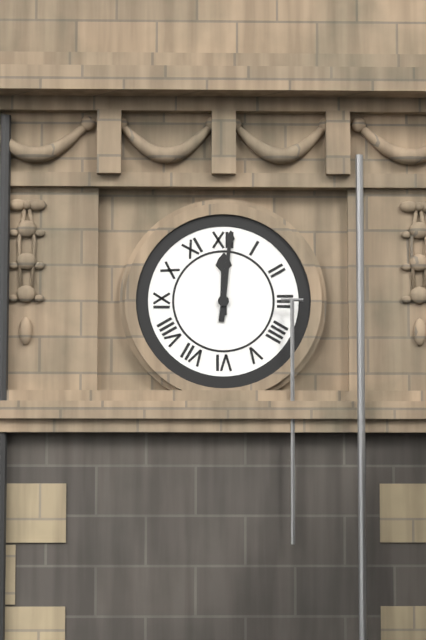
{"hour": 12, "minute": 1}
